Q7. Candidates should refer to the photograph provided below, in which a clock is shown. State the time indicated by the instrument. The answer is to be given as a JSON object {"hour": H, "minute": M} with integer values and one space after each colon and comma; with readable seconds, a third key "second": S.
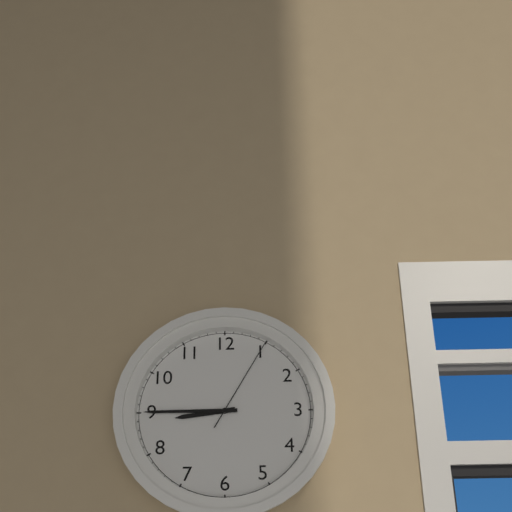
{"hour": 8, "minute": 45, "second": 5}
